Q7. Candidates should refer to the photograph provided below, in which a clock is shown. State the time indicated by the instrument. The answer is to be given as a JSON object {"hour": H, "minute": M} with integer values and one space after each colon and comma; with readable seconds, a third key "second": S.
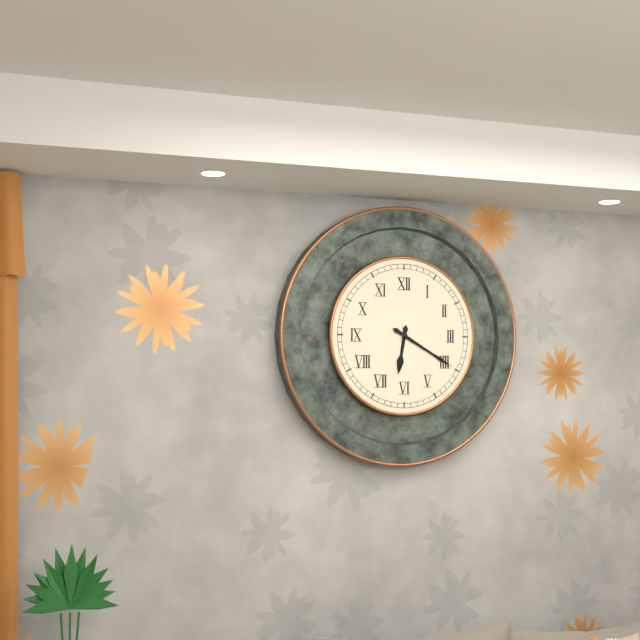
{"hour": 6, "minute": 20}
